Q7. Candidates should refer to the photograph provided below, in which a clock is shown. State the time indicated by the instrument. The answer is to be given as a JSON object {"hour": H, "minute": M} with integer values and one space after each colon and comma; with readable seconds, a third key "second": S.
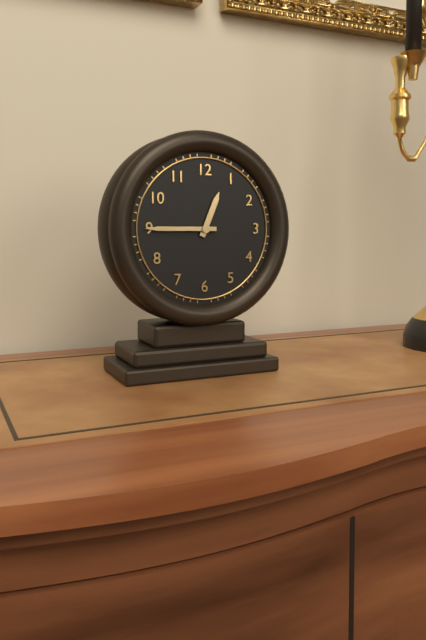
{"hour": 12, "minute": 45}
